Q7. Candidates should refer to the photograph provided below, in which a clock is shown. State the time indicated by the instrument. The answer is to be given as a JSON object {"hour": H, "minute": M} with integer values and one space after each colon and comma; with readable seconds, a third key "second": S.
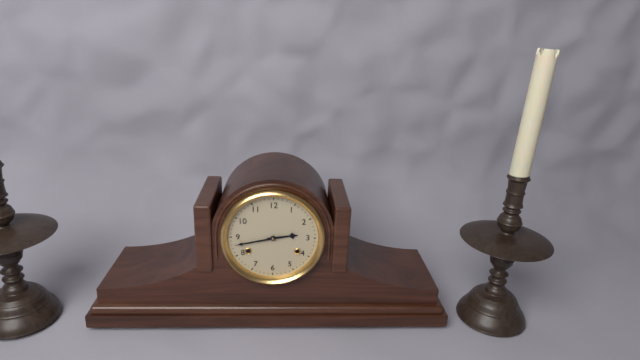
{"hour": 2, "minute": 43}
